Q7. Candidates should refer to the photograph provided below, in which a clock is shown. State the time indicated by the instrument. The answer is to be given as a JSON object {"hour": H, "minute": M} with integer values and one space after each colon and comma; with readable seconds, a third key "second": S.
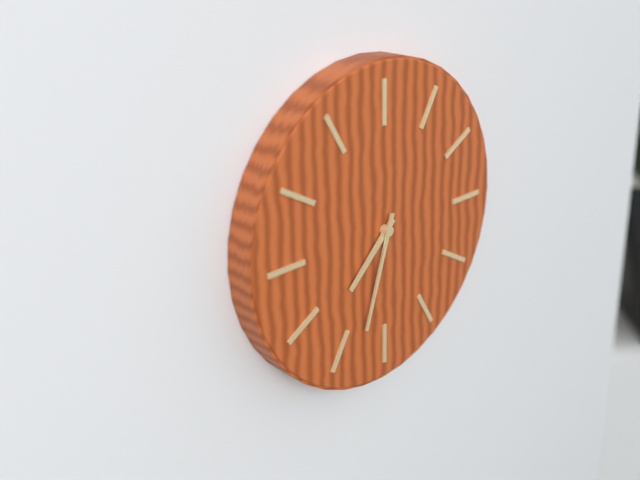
{"hour": 7, "minute": 33}
